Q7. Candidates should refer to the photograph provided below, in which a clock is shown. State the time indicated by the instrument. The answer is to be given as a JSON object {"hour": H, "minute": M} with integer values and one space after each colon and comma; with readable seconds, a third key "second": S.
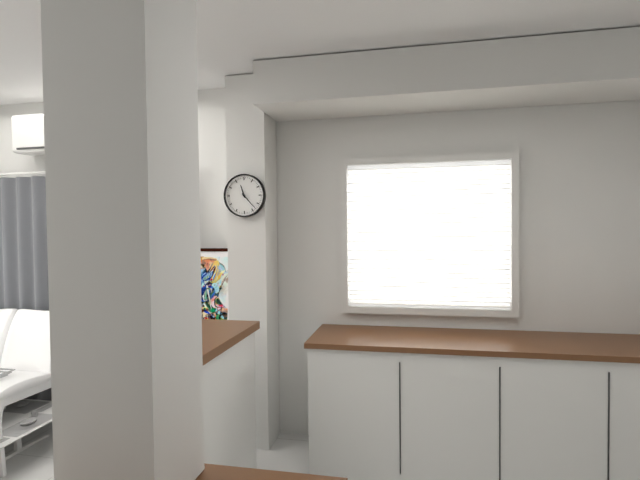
{"hour": 11, "minute": 23}
